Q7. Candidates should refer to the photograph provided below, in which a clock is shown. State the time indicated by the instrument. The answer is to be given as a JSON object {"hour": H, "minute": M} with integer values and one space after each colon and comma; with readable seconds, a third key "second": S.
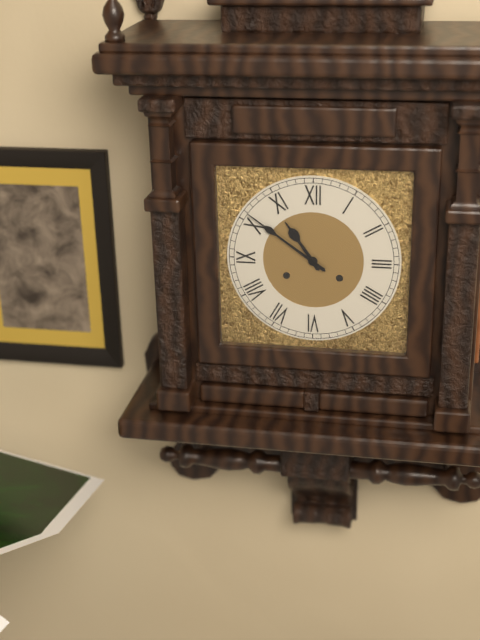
{"hour": 10, "minute": 51}
